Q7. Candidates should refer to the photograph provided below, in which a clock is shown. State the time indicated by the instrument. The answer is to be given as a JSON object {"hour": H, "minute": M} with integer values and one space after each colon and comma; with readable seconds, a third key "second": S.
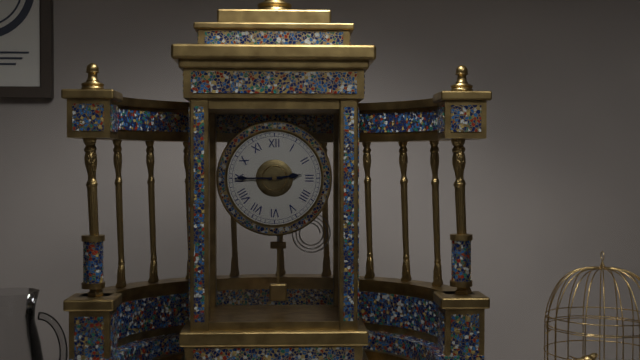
{"hour": 2, "minute": 45}
